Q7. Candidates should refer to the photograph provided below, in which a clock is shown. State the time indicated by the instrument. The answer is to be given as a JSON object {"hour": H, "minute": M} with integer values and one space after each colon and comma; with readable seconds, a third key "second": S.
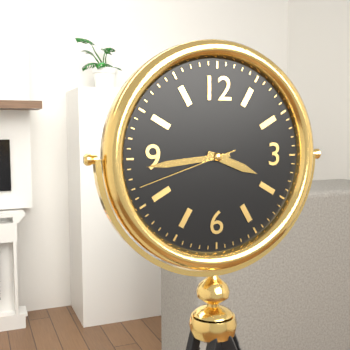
{"hour": 3, "minute": 44, "second": 42}
